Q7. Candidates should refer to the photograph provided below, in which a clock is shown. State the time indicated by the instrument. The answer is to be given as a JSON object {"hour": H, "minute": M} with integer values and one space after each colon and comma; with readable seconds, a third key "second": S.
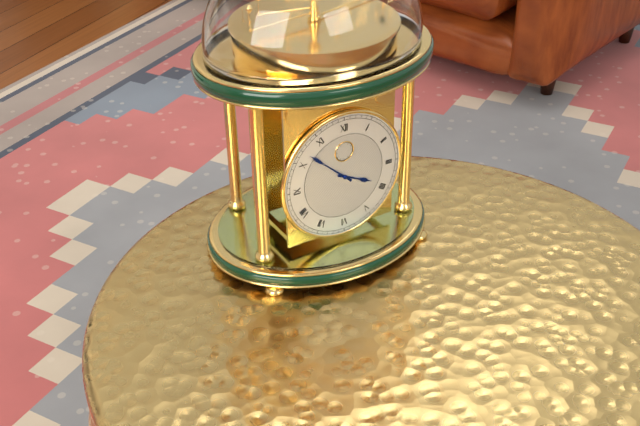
{"hour": 3, "minute": 52}
